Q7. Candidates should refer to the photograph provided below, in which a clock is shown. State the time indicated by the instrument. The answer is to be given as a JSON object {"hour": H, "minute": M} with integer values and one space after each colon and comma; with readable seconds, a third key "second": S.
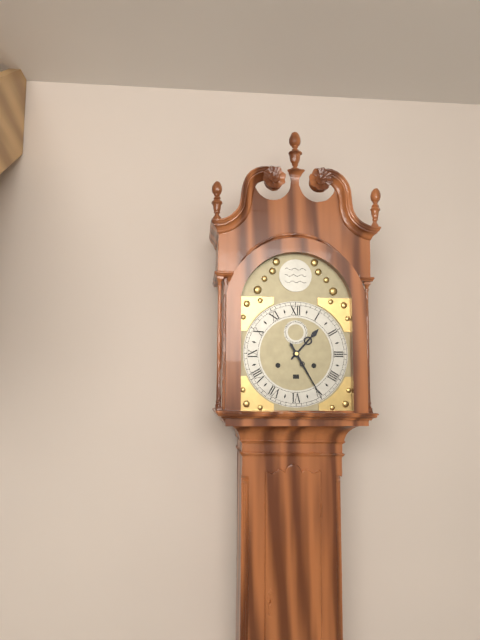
{"hour": 1, "minute": 25}
